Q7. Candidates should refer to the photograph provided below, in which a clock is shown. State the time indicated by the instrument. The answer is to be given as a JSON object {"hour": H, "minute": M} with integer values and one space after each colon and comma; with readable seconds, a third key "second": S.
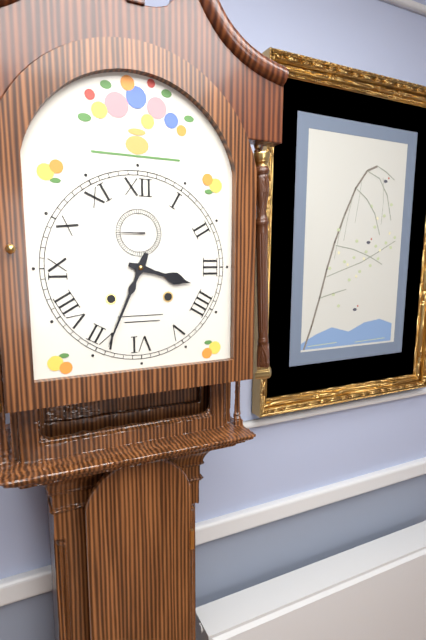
{"hour": 3, "minute": 34}
